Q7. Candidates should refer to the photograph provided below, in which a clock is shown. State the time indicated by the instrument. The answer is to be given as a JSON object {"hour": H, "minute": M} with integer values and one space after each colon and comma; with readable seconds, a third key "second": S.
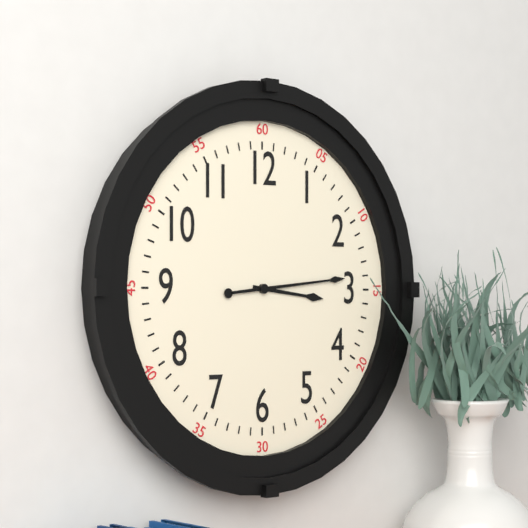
{"hour": 3, "minute": 14}
